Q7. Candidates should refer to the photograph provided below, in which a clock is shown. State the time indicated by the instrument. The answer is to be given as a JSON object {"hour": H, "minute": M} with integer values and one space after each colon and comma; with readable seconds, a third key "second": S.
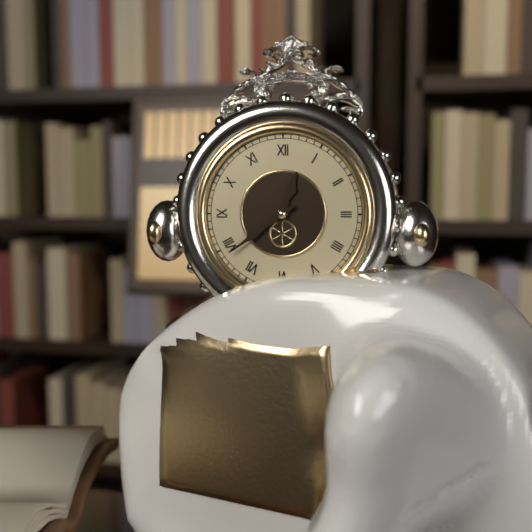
{"hour": 12, "minute": 39}
